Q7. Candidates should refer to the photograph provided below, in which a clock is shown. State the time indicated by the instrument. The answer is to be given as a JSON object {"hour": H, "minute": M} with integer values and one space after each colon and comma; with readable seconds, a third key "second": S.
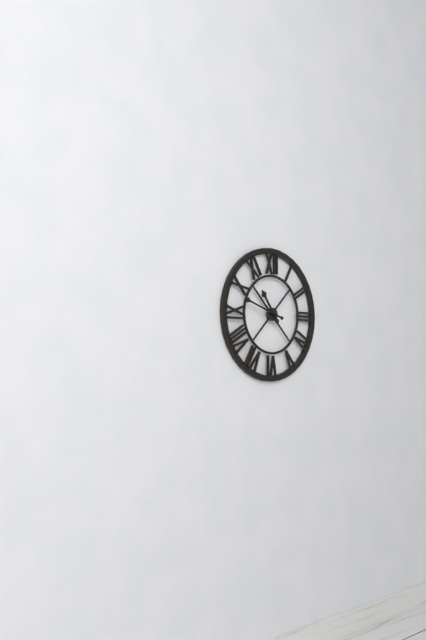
{"hour": 10, "minute": 48}
